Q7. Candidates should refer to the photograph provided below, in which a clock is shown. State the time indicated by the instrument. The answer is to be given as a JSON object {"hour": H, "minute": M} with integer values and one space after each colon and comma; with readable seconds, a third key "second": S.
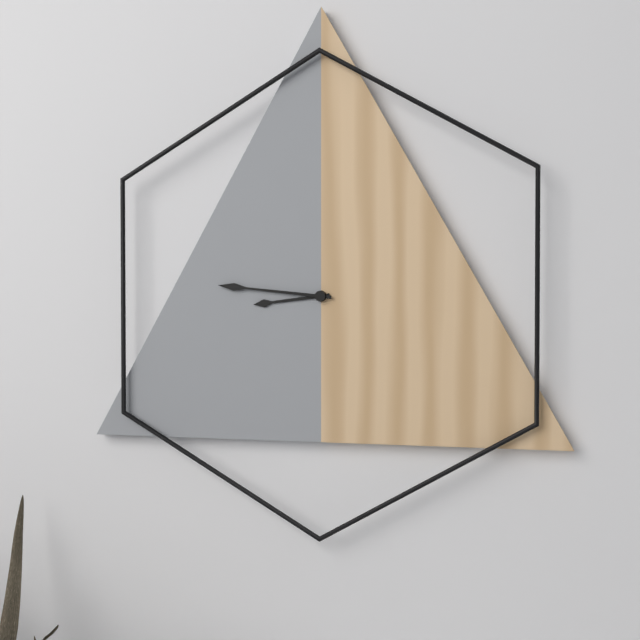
{"hour": 8, "minute": 46}
